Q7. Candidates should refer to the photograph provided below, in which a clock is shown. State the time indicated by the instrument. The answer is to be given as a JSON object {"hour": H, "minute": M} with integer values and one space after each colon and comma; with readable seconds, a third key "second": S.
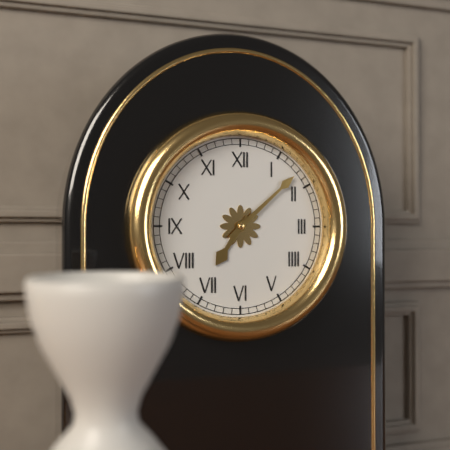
{"hour": 7, "minute": 8}
